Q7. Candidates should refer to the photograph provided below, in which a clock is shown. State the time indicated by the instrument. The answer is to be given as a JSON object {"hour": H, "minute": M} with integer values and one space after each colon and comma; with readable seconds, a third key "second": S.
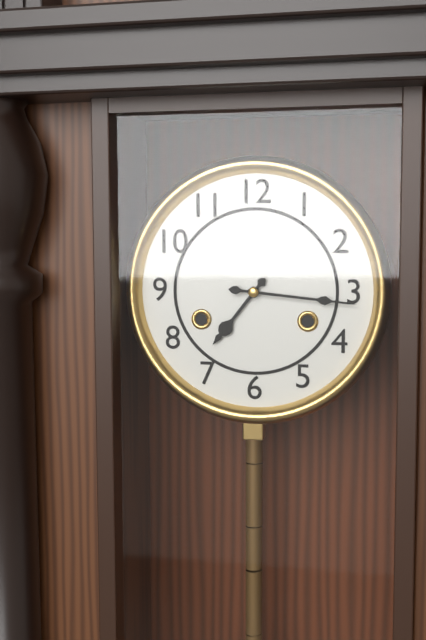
{"hour": 7, "minute": 16}
